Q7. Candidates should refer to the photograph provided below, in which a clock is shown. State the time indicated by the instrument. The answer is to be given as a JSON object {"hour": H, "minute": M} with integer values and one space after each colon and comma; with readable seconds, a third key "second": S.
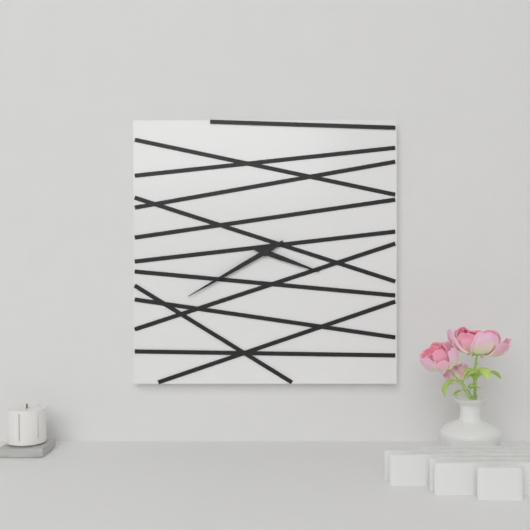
{"hour": 3, "minute": 40}
